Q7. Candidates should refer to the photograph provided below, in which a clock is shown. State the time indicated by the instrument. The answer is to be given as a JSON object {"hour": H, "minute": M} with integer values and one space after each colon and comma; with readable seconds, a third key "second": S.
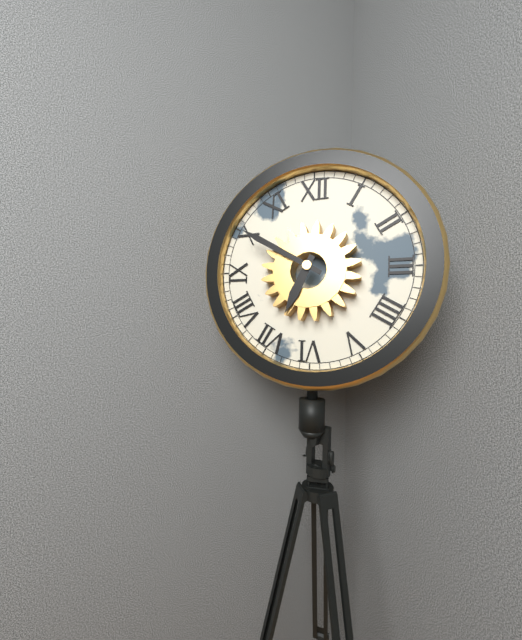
{"hour": 6, "minute": 50}
